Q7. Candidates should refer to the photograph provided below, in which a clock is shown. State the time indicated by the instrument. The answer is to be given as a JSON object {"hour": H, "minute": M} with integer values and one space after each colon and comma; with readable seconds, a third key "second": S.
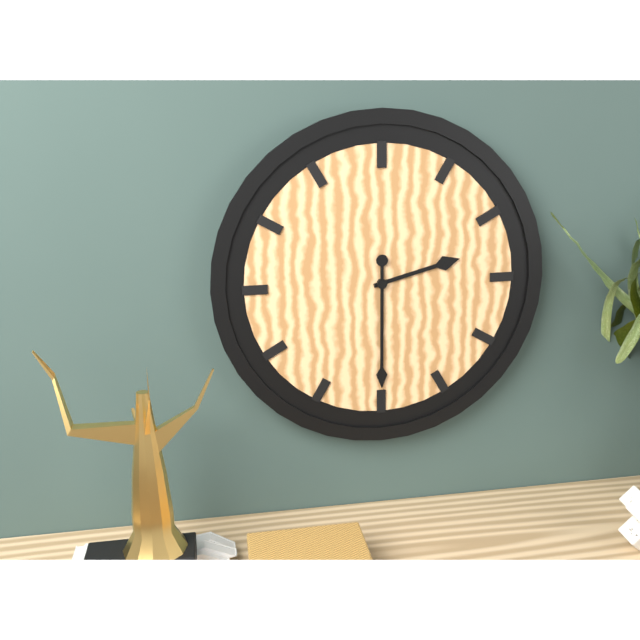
{"hour": 2, "minute": 30}
